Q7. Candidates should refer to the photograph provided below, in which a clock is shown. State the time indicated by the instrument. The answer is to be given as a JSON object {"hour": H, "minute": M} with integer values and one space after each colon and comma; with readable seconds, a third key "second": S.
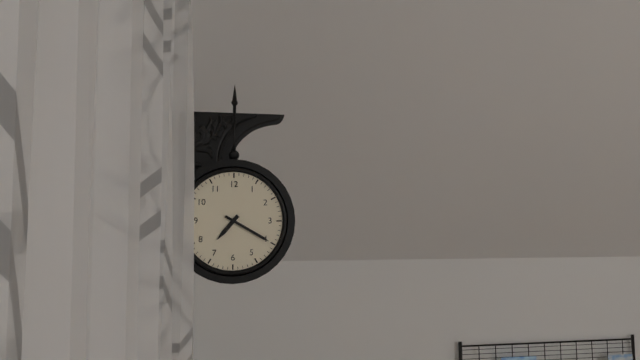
{"hour": 7, "minute": 20}
